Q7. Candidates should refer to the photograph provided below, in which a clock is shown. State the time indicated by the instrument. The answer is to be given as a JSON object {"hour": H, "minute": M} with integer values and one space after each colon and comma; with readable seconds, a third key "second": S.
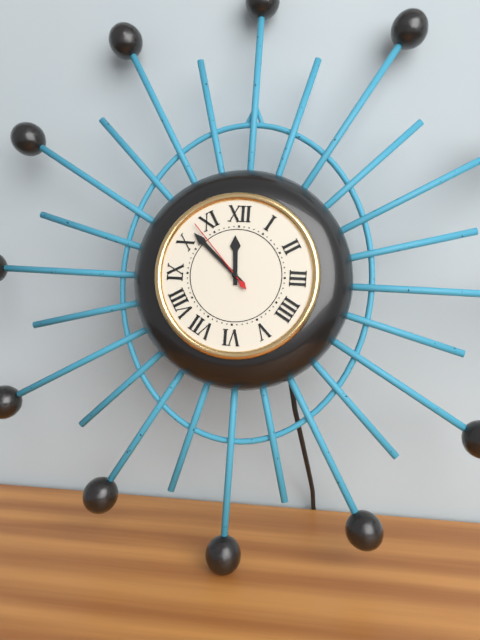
{"hour": 11, "minute": 52, "second": 53}
